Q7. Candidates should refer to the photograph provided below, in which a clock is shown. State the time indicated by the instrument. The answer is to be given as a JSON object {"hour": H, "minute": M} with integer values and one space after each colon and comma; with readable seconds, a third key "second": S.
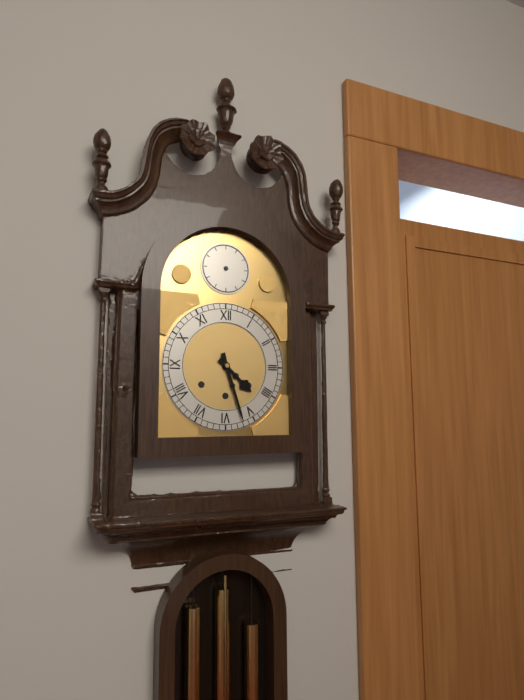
{"hour": 4, "minute": 27}
